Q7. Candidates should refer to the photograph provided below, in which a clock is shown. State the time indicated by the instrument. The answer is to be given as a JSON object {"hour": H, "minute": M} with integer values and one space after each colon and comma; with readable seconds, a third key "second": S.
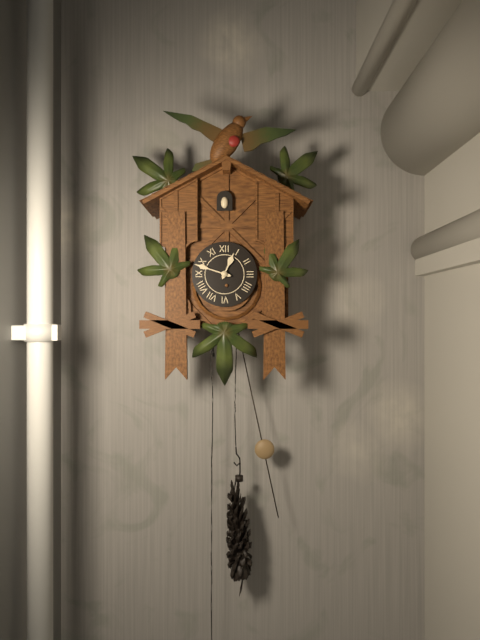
{"hour": 12, "minute": 48}
